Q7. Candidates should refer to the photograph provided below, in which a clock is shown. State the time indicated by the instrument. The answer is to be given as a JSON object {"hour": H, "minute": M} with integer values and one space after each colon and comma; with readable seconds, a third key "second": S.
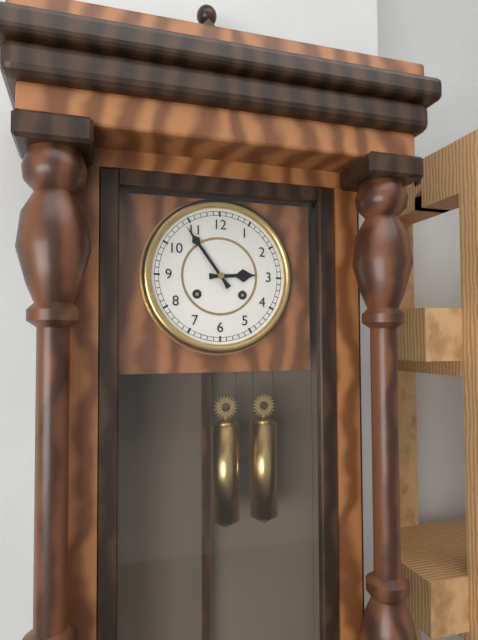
{"hour": 2, "minute": 54}
